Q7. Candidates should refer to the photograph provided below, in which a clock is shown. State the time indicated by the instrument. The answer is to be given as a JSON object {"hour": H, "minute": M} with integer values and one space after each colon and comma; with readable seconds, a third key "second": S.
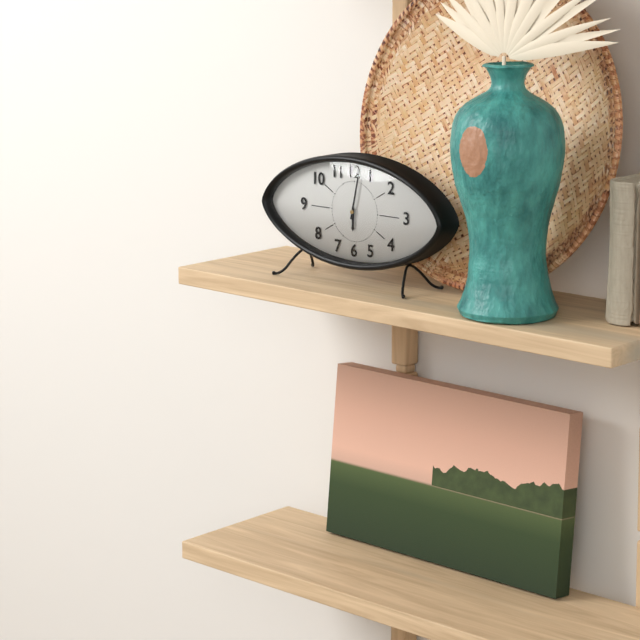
{"hour": 6, "minute": 2}
